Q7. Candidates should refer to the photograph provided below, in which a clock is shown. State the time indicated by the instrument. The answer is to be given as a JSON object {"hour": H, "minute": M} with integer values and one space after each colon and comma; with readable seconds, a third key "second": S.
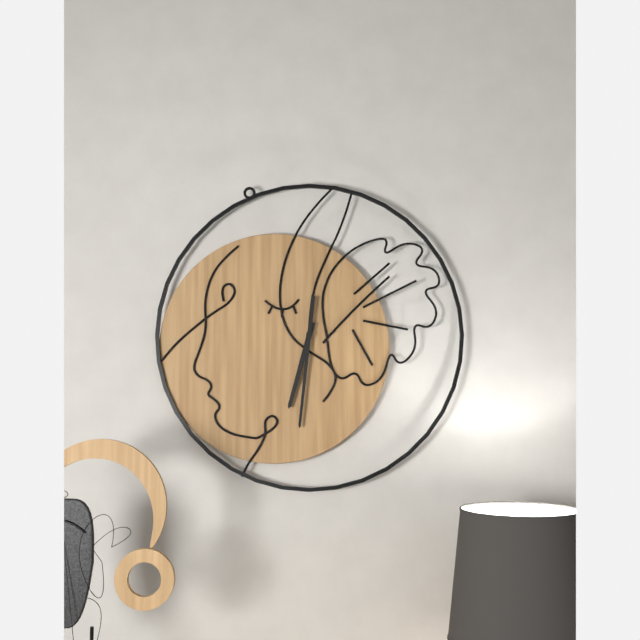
{"hour": 6, "minute": 31}
